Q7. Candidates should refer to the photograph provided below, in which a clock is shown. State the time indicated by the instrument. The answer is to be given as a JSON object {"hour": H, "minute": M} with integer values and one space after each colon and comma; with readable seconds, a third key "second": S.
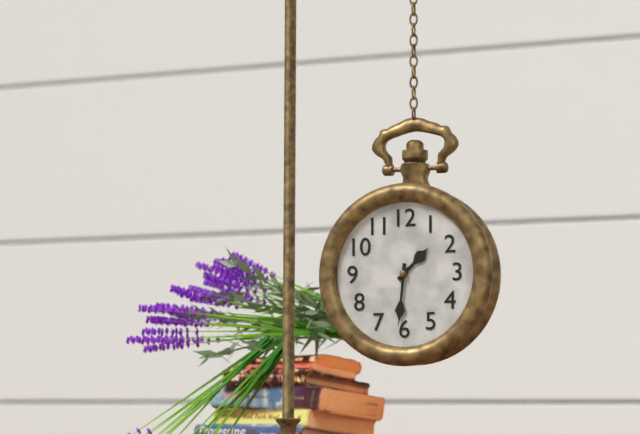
{"hour": 1, "minute": 31}
